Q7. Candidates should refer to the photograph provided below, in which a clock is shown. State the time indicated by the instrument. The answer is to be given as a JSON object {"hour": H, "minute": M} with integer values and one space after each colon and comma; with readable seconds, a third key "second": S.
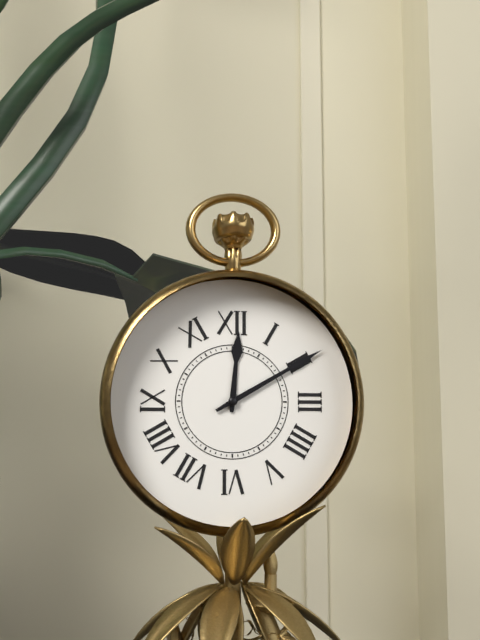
{"hour": 12, "minute": 10}
